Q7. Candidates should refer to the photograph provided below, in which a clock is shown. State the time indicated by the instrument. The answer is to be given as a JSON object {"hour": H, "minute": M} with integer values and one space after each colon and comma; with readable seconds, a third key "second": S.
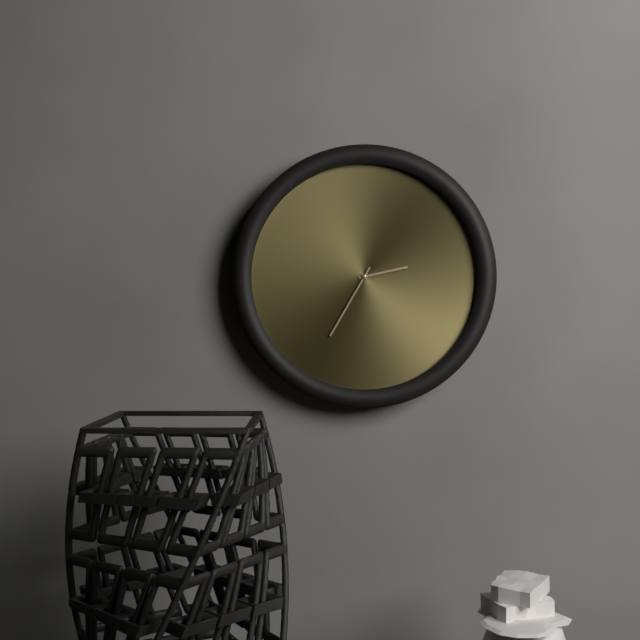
{"hour": 2, "minute": 35}
